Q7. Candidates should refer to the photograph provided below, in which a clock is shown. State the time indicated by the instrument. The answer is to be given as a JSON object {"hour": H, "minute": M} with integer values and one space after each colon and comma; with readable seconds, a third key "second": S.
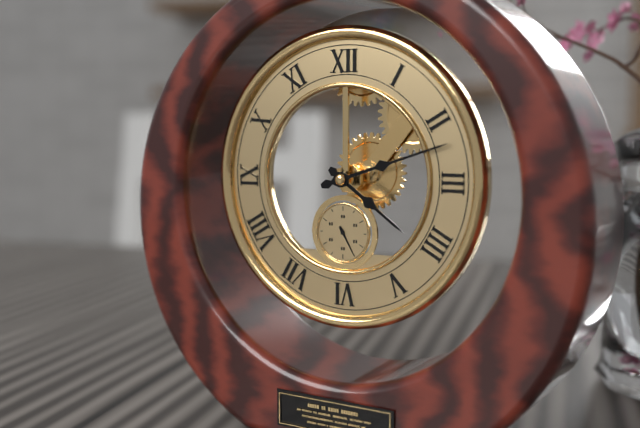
{"hour": 4, "minute": 12}
